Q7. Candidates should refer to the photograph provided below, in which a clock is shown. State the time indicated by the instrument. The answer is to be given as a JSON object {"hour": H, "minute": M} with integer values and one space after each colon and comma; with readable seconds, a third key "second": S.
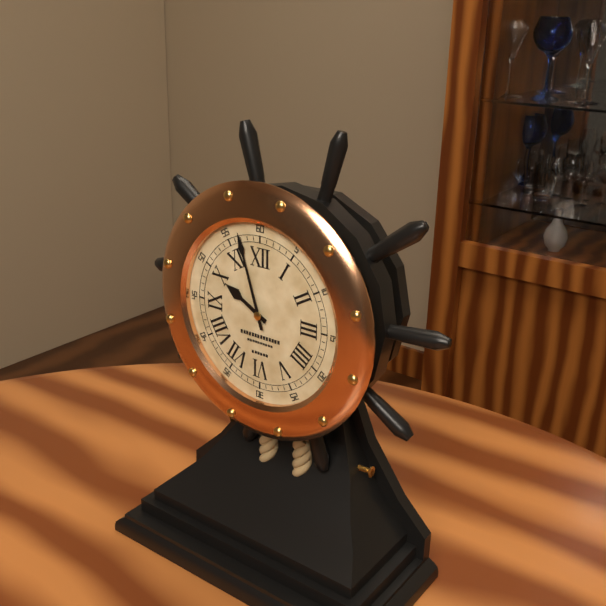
{"hour": 9, "minute": 57}
